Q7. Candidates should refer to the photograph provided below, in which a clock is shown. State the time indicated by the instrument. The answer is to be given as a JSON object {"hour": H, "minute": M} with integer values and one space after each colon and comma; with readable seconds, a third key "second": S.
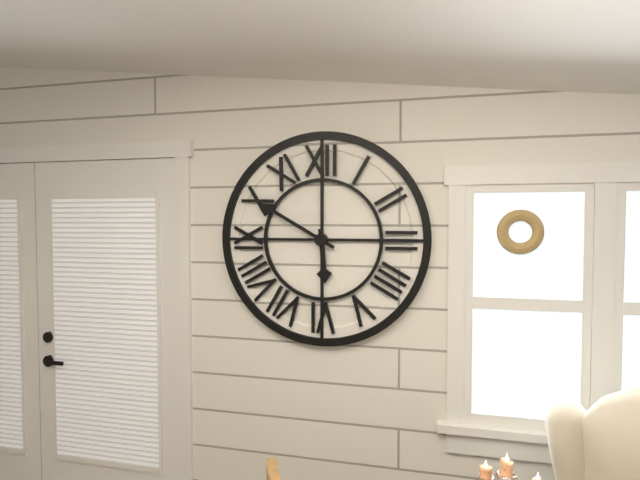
{"hour": 5, "minute": 50}
